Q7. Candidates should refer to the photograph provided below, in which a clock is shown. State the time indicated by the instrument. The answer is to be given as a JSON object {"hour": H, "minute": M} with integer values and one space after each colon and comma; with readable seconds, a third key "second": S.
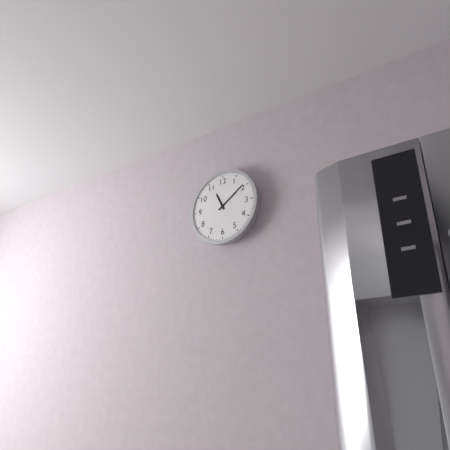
{"hour": 11, "minute": 9}
